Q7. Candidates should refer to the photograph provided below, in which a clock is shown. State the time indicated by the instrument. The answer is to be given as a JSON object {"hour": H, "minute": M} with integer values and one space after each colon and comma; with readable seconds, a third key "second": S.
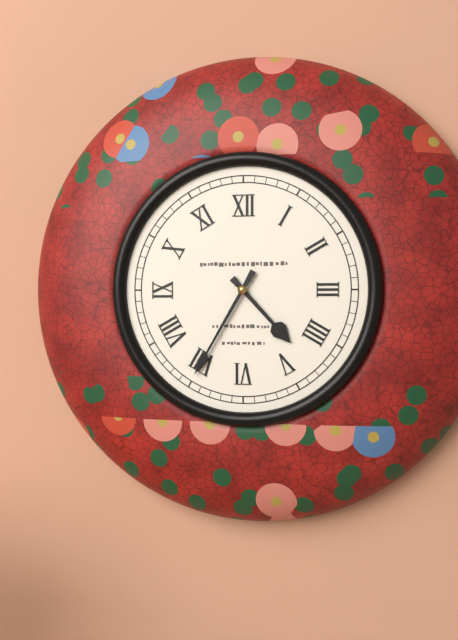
{"hour": 4, "minute": 35}
